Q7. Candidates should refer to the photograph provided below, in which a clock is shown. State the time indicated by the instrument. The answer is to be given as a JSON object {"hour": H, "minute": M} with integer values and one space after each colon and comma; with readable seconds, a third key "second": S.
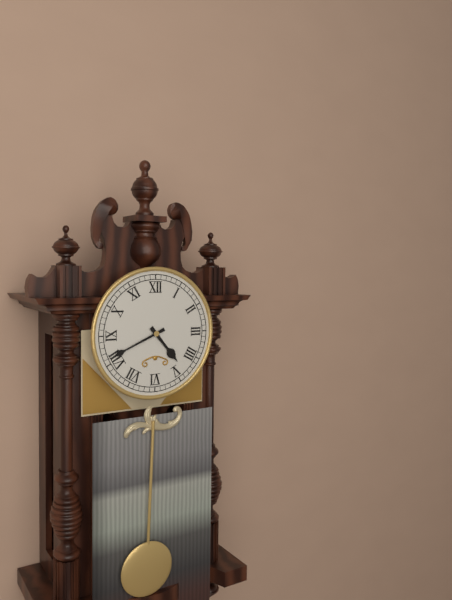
{"hour": 4, "minute": 41}
